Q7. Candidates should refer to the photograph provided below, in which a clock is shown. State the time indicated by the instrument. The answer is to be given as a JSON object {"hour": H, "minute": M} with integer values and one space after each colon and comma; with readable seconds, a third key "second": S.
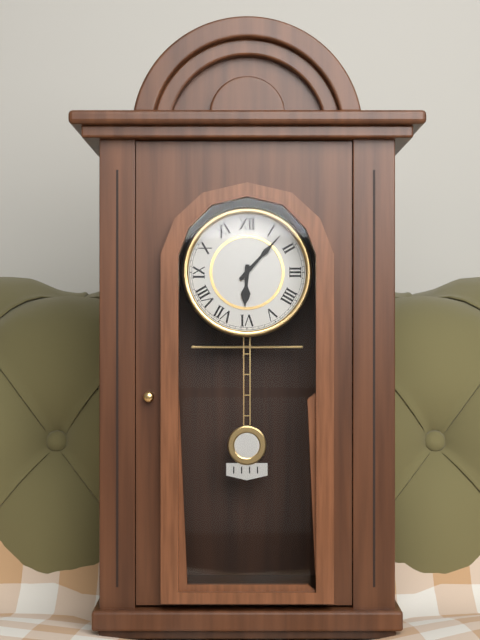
{"hour": 6, "minute": 7}
